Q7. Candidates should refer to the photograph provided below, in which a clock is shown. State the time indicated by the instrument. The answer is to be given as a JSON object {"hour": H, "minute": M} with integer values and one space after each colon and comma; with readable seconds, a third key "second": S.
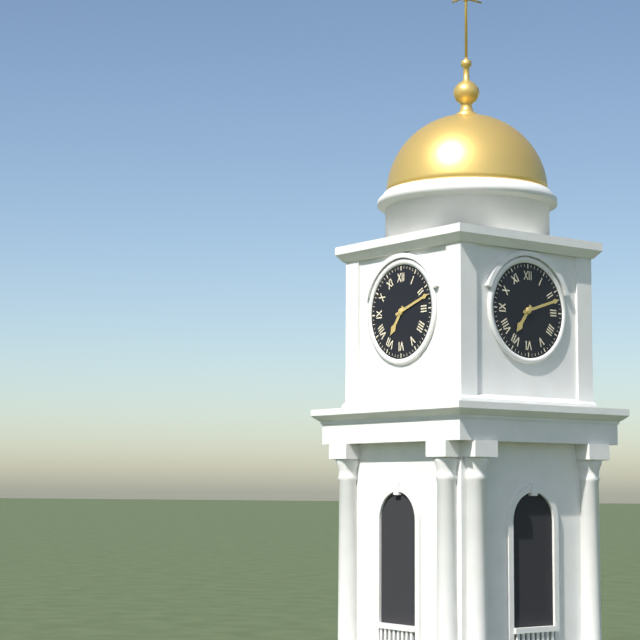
{"hour": 7, "minute": 12}
